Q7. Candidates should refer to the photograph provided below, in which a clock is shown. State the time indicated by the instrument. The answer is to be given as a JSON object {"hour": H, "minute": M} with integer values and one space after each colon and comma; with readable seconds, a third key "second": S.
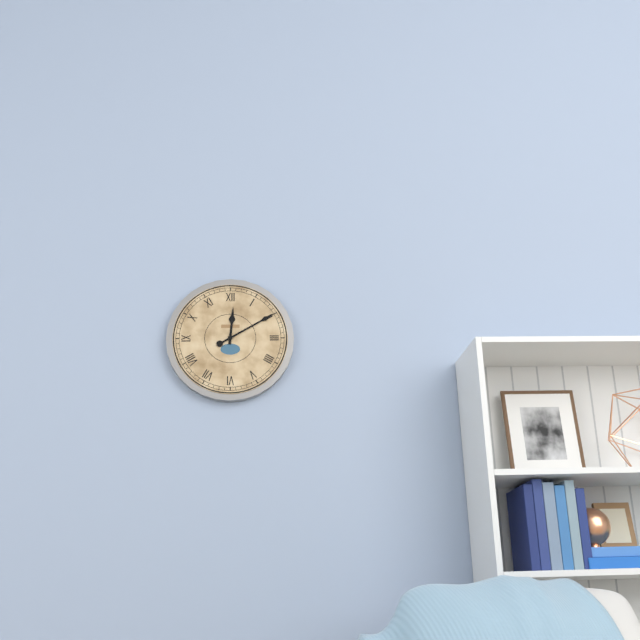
{"hour": 12, "minute": 10}
